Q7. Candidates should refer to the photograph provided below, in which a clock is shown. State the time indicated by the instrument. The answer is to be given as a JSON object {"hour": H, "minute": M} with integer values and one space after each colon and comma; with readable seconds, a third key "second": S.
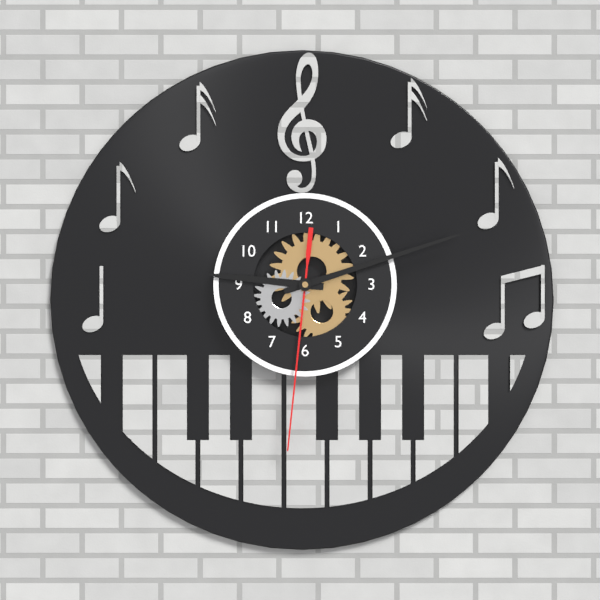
{"hour": 9, "minute": 12, "second": 31}
